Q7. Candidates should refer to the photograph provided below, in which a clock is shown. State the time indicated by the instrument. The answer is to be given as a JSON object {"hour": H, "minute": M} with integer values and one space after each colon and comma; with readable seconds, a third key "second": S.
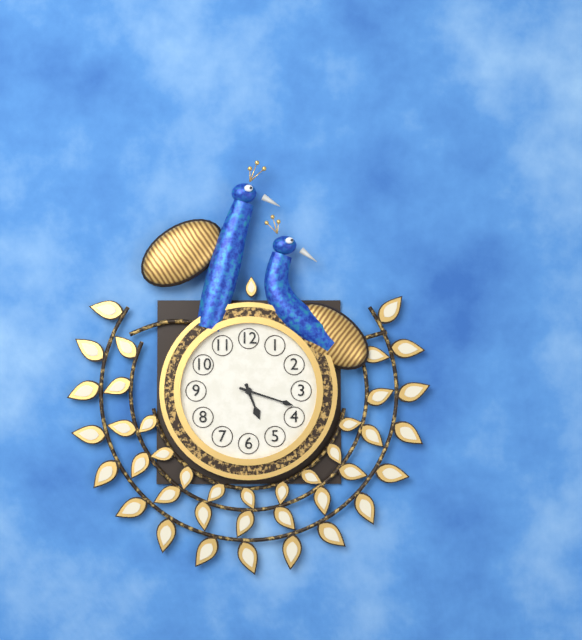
{"hour": 5, "minute": 18}
